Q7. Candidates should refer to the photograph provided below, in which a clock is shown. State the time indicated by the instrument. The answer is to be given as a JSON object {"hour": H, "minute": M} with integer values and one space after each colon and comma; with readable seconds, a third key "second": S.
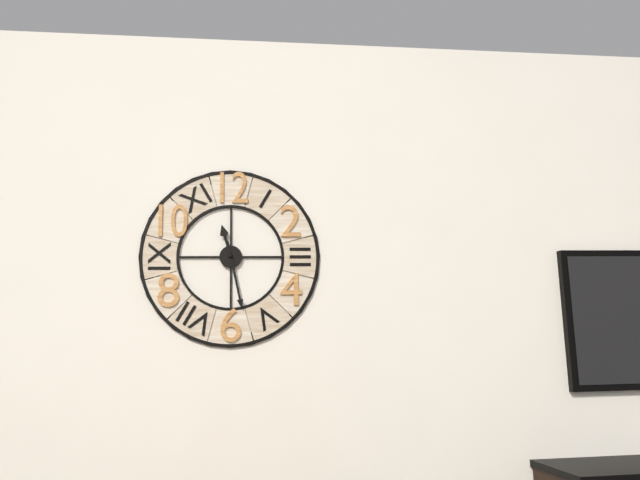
{"hour": 11, "minute": 28}
